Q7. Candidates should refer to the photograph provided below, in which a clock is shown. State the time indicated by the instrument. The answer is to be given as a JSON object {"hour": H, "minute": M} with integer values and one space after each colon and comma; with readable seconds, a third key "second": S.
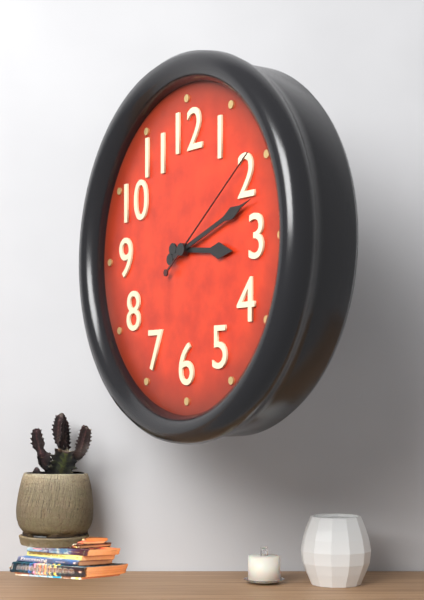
{"hour": 3, "minute": 12, "second": 9}
